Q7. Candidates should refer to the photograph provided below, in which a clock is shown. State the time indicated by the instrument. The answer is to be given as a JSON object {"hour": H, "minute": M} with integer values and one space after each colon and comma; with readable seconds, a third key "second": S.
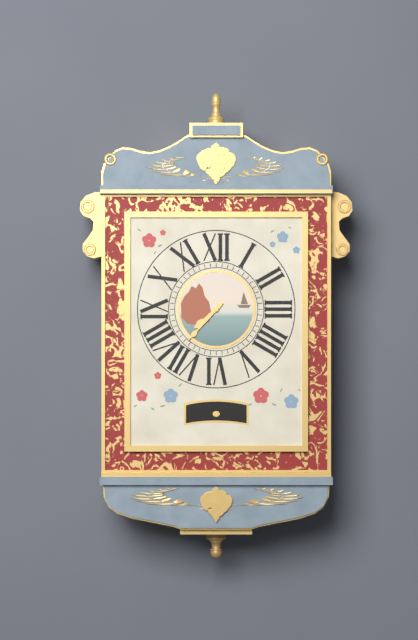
{"hour": 7, "minute": 37}
